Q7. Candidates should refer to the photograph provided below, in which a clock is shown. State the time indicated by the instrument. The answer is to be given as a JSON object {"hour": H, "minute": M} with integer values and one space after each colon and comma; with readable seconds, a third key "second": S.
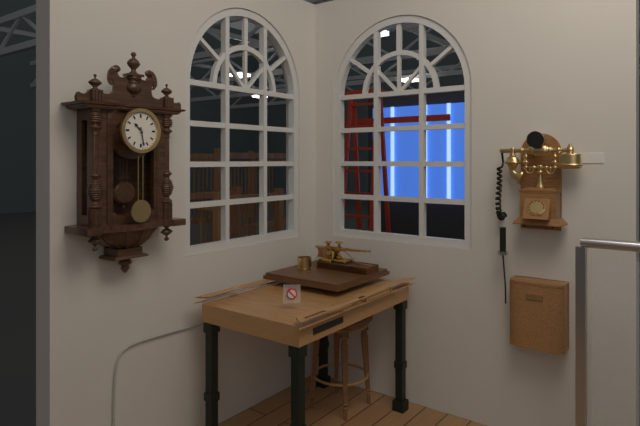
{"hour": 10, "minute": 28}
